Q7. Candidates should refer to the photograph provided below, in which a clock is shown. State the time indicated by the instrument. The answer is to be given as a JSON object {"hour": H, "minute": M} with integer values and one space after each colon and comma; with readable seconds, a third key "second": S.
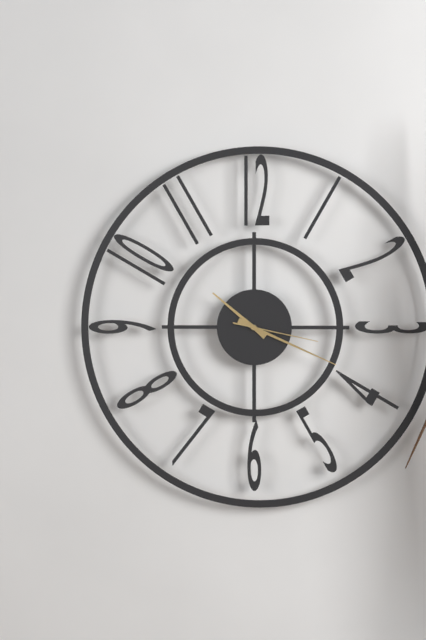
{"hour": 10, "minute": 19, "second": 17}
